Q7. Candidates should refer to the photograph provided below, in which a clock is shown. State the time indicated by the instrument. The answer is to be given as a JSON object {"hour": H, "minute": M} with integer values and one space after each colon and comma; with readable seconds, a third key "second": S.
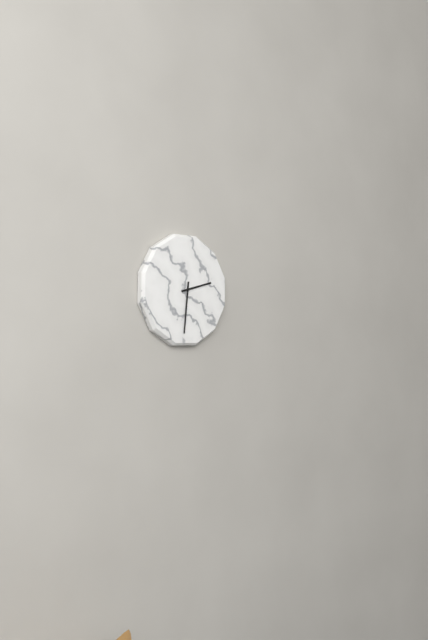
{"hour": 2, "minute": 31}
